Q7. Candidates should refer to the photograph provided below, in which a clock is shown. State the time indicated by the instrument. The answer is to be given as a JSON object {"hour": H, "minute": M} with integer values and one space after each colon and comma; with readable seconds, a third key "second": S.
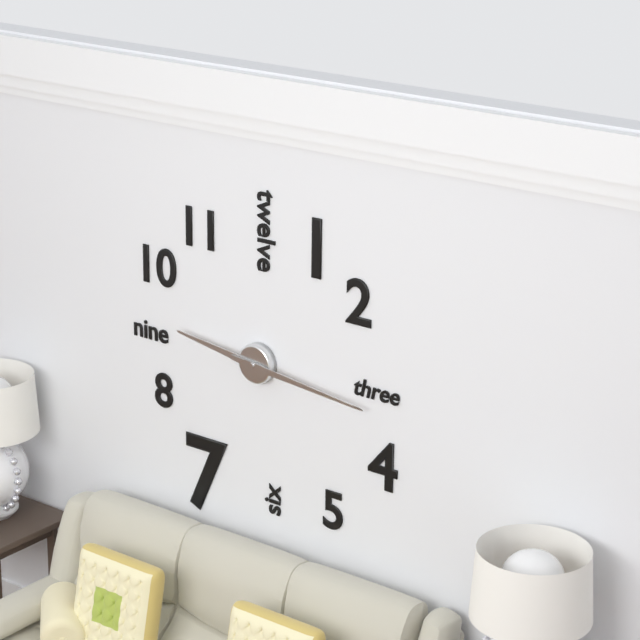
{"hour": 9, "minute": 16}
